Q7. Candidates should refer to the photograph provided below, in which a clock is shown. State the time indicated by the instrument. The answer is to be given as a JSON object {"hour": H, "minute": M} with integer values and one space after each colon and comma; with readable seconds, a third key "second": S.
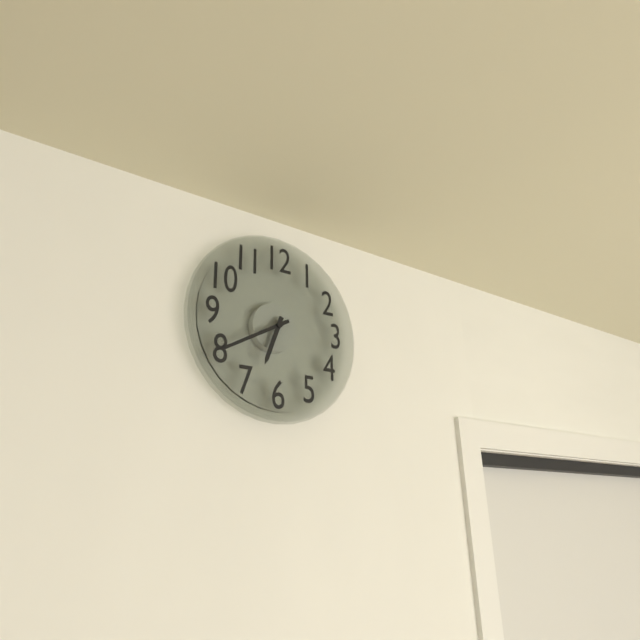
{"hour": 6, "minute": 40}
